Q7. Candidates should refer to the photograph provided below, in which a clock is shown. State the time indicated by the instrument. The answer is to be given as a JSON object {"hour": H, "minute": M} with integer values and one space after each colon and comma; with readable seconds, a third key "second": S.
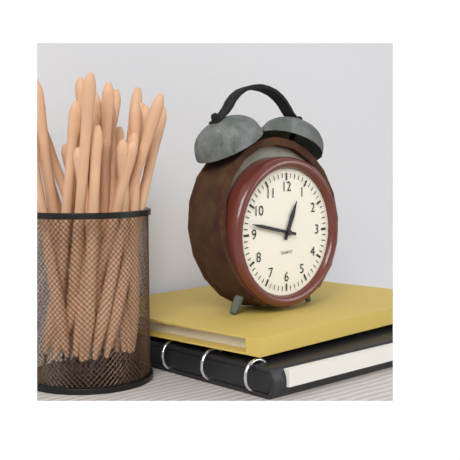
{"hour": 12, "minute": 47}
